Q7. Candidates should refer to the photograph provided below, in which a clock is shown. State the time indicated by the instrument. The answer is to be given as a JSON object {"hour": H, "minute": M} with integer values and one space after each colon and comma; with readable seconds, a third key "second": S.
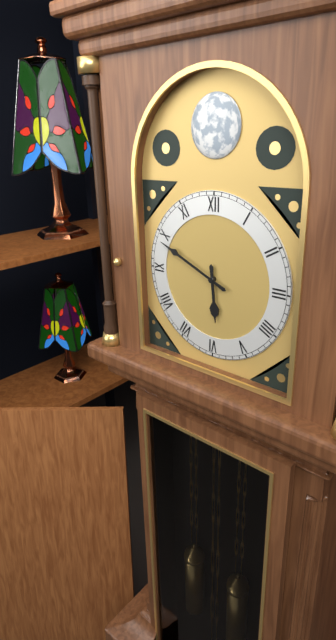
{"hour": 5, "minute": 49}
